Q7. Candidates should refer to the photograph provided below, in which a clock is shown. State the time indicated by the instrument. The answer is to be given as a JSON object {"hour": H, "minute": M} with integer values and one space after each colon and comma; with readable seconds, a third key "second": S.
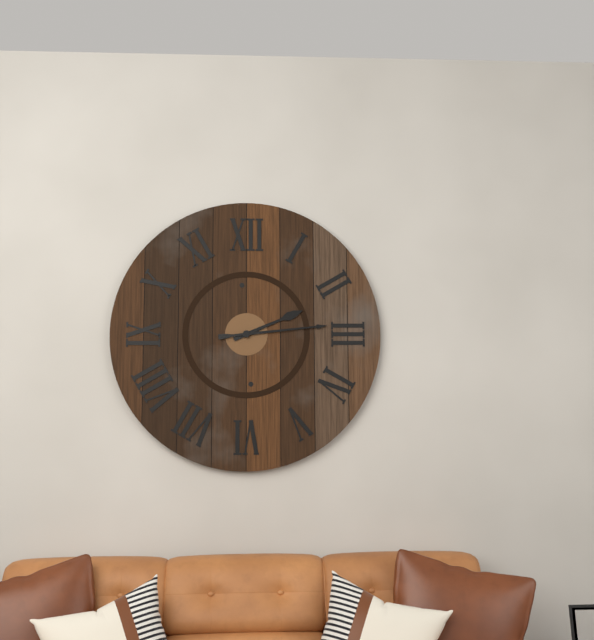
{"hour": 2, "minute": 14}
